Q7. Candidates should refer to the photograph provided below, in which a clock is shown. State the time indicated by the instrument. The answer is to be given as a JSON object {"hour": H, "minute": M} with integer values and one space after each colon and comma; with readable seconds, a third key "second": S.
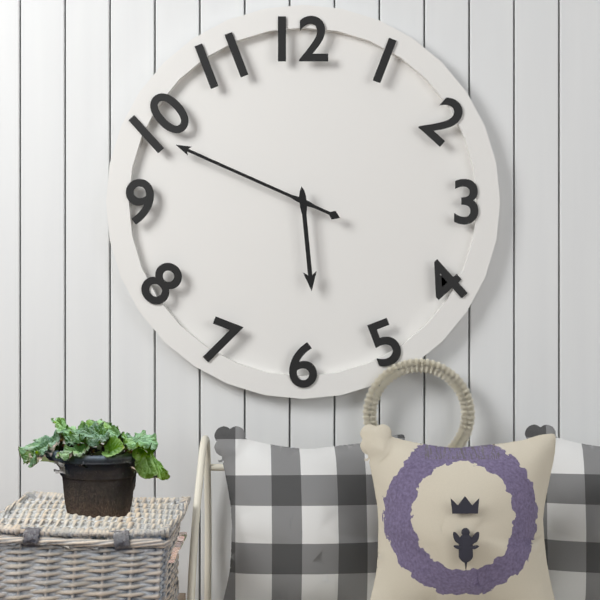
{"hour": 5, "minute": 49}
